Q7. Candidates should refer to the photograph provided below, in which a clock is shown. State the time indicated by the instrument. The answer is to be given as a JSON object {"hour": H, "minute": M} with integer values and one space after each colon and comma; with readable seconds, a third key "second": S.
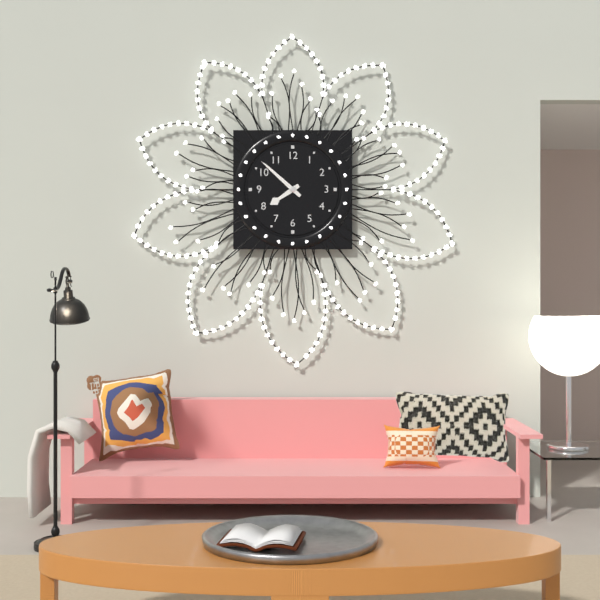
{"hour": 7, "minute": 52}
